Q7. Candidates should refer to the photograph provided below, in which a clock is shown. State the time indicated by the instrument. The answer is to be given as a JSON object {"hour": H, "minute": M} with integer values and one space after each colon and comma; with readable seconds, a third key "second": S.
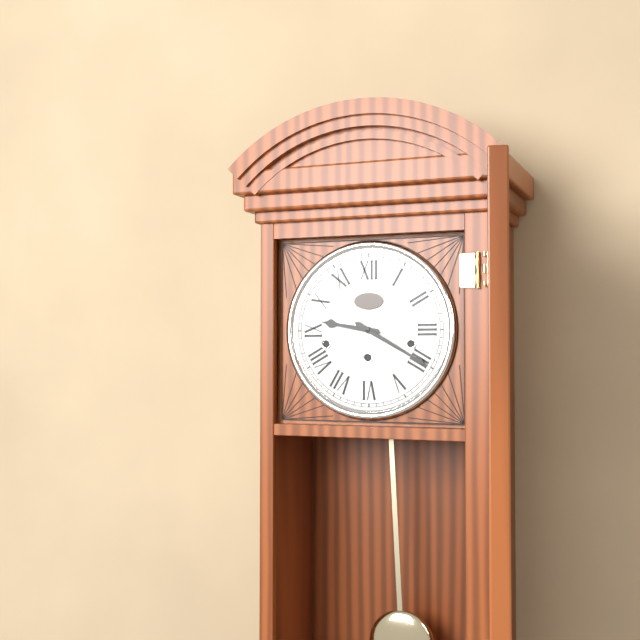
{"hour": 9, "minute": 20}
